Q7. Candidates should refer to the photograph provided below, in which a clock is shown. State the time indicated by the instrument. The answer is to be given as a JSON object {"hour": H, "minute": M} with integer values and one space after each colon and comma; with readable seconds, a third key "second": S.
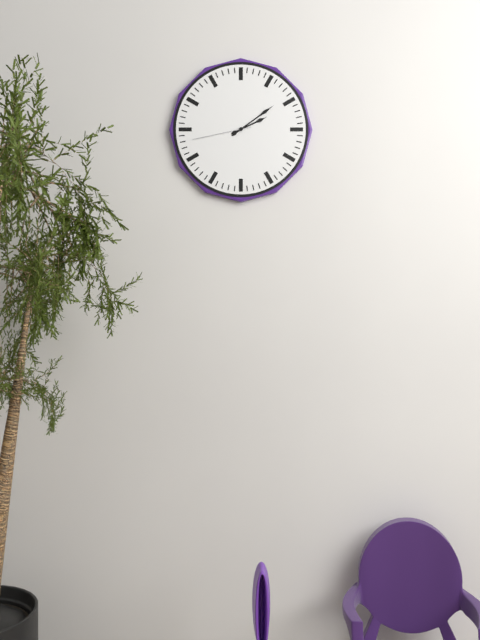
{"hour": 2, "minute": 9, "second": 43}
